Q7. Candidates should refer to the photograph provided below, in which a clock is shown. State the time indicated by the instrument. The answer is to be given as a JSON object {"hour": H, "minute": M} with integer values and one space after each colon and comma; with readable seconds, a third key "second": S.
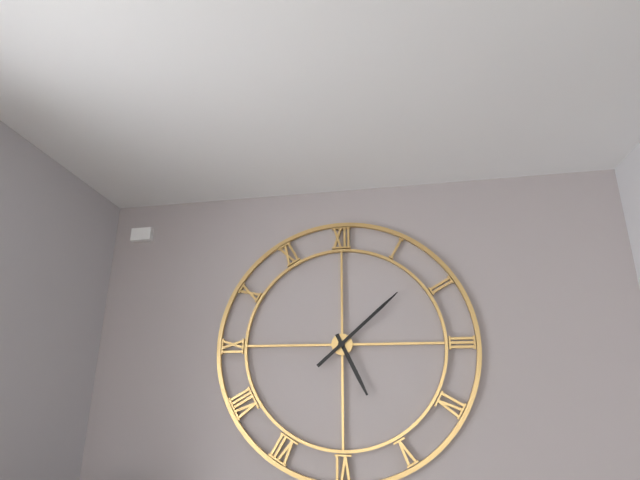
{"hour": 5, "minute": 8}
